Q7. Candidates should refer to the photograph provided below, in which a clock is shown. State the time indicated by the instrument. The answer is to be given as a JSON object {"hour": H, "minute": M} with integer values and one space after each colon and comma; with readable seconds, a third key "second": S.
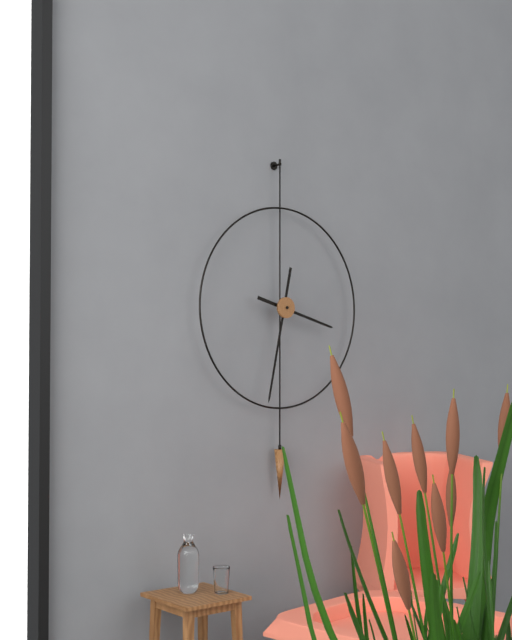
{"hour": 3, "minute": 32}
